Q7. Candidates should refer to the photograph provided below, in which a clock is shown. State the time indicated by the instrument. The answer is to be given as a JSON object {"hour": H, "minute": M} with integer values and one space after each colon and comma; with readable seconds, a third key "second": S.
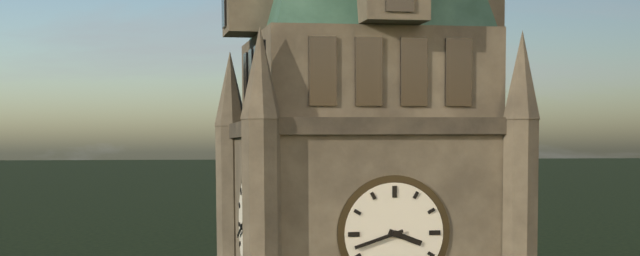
{"hour": 3, "minute": 42}
